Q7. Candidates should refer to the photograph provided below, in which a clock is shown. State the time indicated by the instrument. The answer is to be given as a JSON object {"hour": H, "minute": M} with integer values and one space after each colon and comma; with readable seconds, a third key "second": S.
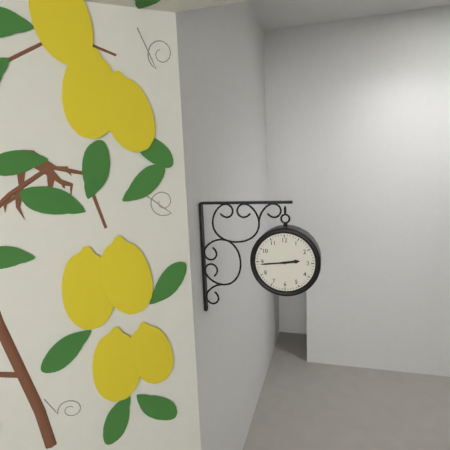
{"hour": 2, "minute": 44}
